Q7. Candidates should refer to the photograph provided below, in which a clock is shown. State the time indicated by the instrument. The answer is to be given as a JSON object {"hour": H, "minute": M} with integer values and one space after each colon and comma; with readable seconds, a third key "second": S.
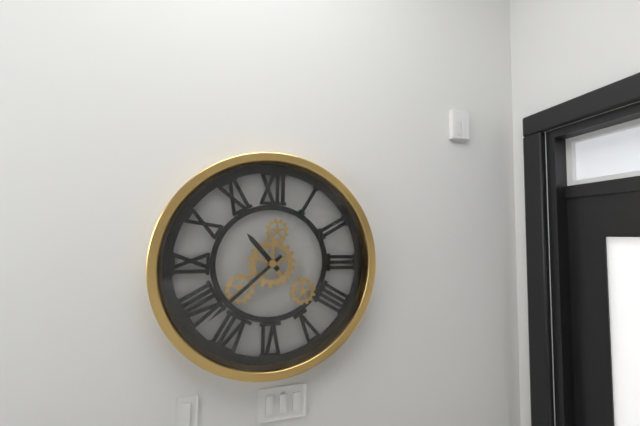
{"hour": 10, "minute": 38}
